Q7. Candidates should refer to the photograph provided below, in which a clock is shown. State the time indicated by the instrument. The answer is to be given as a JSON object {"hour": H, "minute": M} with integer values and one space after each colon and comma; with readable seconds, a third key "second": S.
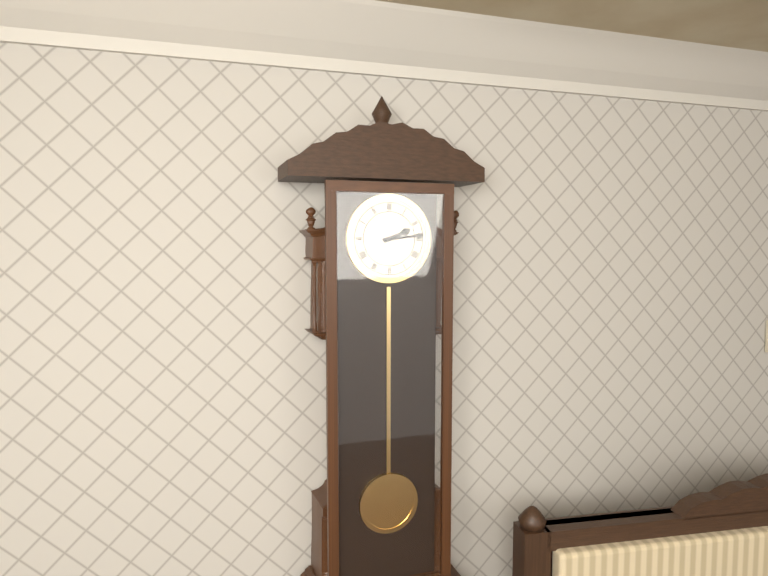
{"hour": 2, "minute": 14}
